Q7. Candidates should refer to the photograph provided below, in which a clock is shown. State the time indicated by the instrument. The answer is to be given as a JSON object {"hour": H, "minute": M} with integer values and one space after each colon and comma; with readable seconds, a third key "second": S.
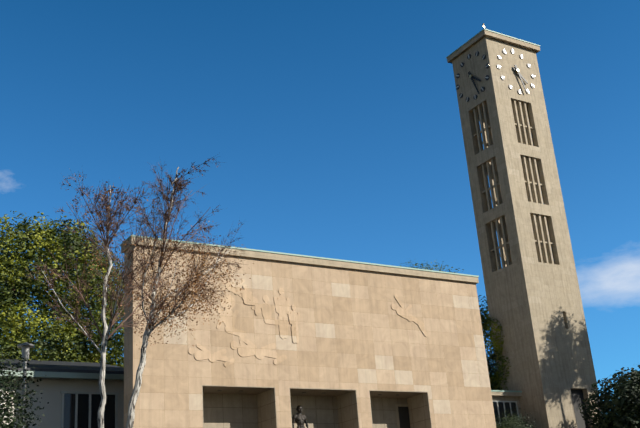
{"hour": 4, "minute": 27}
